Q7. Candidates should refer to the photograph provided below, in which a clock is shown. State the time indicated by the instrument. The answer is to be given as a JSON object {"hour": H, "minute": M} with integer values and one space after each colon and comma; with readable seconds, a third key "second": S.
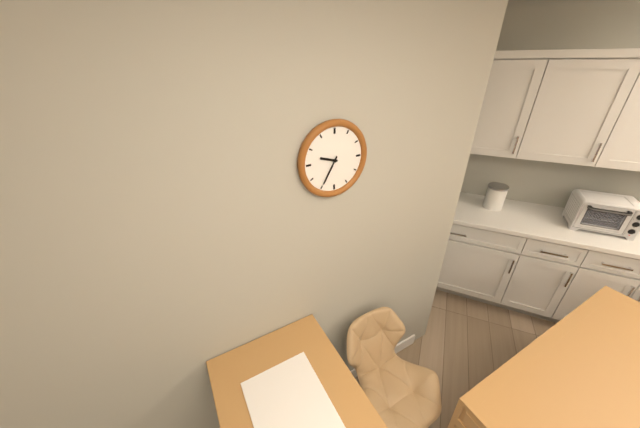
{"hour": 9, "minute": 35}
